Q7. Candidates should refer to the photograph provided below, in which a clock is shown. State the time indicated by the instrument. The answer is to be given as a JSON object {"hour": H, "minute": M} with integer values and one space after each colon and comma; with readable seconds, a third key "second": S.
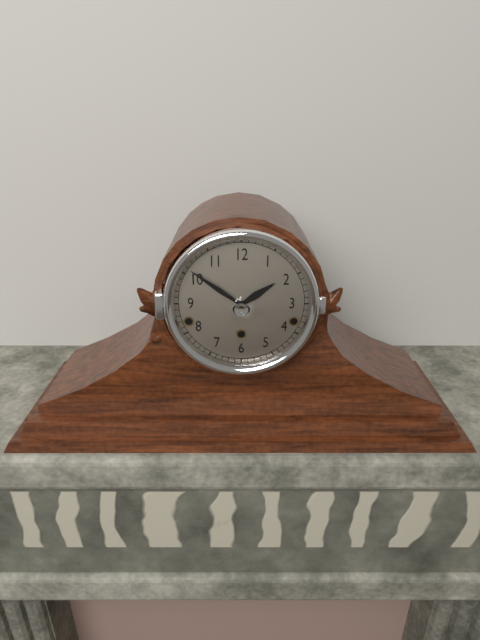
{"hour": 1, "minute": 51}
